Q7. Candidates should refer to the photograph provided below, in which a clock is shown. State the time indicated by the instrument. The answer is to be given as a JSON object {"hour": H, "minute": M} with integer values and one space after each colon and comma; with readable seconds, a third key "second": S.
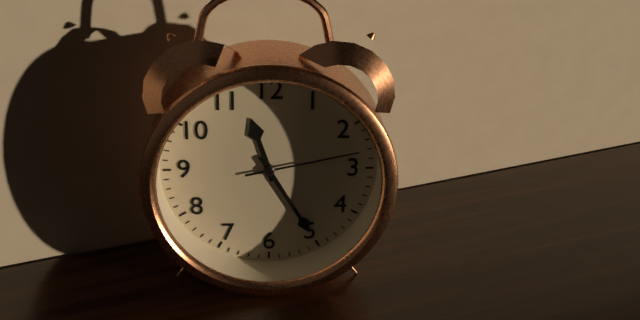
{"hour": 11, "minute": 25, "second": 13}
